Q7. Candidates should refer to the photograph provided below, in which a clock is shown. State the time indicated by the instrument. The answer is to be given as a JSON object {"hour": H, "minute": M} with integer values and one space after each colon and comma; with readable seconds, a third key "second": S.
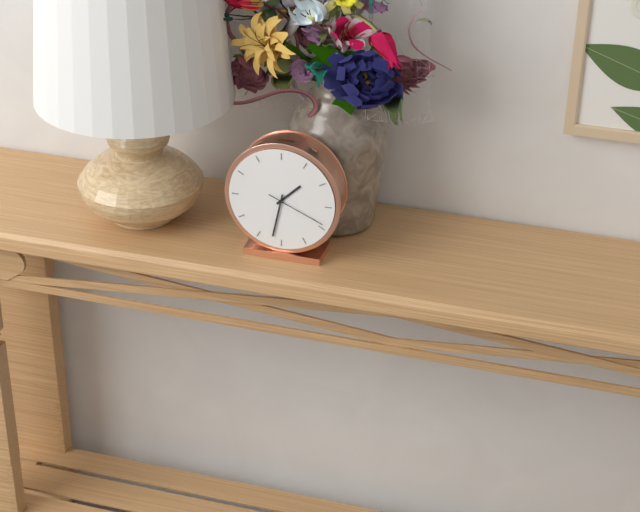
{"hour": 1, "minute": 32, "second": 19}
